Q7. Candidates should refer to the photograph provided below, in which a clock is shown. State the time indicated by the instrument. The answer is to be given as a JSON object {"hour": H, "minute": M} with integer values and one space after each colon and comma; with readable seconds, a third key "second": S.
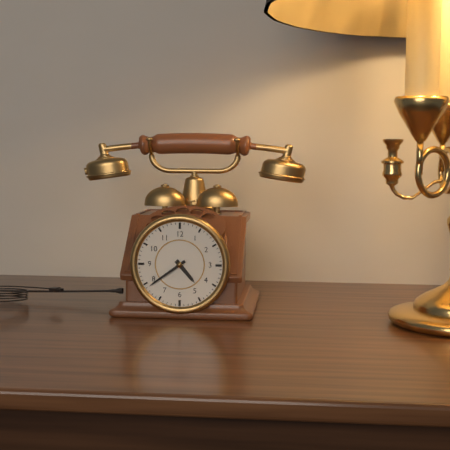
{"hour": 4, "minute": 39}
